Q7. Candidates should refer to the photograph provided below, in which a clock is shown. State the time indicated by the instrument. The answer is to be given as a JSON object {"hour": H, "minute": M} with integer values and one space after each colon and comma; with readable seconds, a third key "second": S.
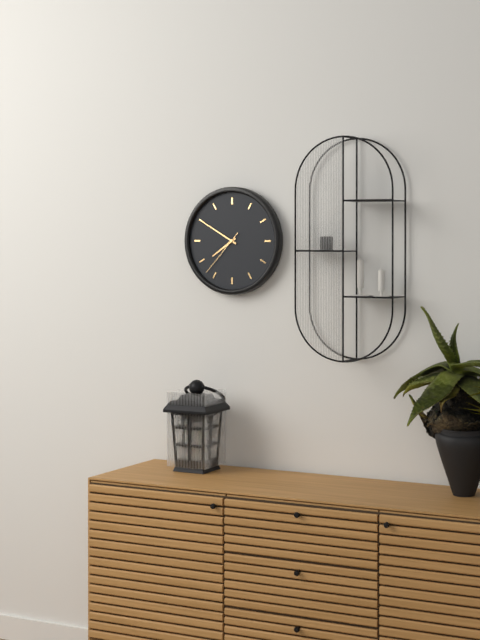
{"hour": 7, "minute": 50, "second": 37}
